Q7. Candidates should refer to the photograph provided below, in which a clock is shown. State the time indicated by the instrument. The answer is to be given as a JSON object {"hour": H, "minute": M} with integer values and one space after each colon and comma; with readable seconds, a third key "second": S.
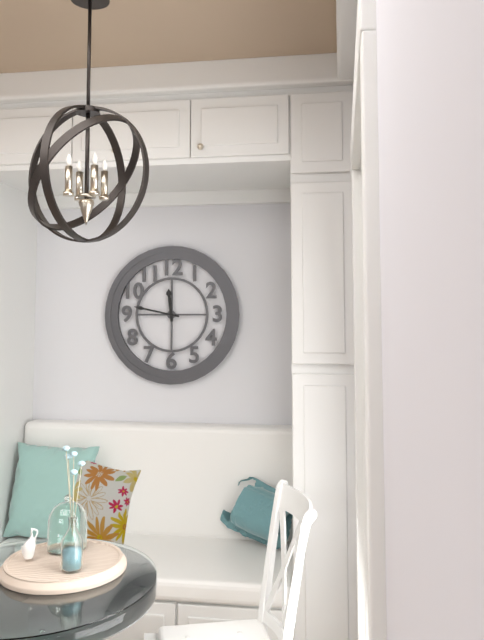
{"hour": 11, "minute": 47}
